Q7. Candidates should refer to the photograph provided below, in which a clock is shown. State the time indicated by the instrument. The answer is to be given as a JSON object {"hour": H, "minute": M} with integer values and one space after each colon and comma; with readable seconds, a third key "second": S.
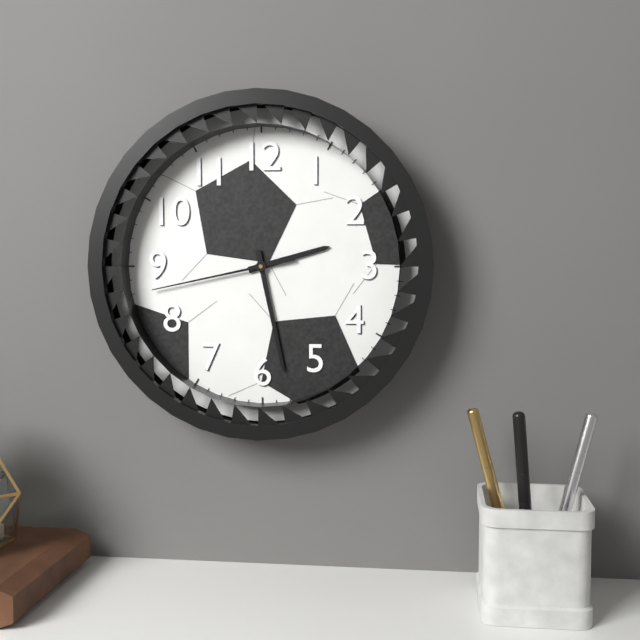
{"hour": 2, "minute": 28, "second": 43}
